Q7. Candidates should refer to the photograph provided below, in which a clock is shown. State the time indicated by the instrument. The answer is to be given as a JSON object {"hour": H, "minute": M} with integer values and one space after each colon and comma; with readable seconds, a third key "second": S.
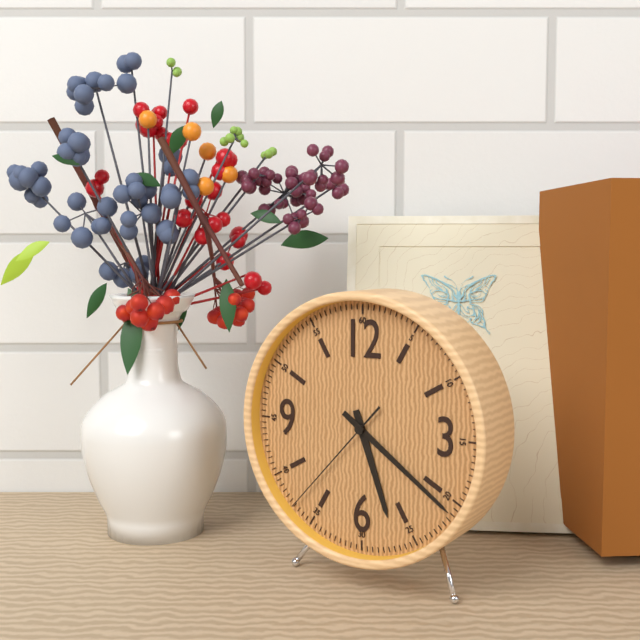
{"hour": 5, "minute": 21, "second": 37}
